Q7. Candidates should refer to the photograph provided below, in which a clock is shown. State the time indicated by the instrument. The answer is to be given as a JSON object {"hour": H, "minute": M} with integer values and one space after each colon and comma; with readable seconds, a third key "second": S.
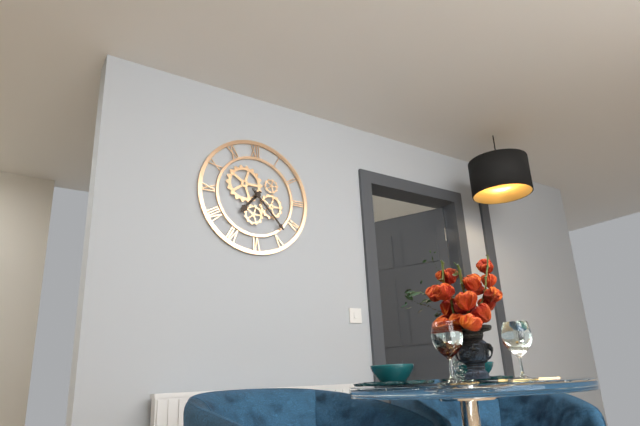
{"hour": 7, "minute": 23}
